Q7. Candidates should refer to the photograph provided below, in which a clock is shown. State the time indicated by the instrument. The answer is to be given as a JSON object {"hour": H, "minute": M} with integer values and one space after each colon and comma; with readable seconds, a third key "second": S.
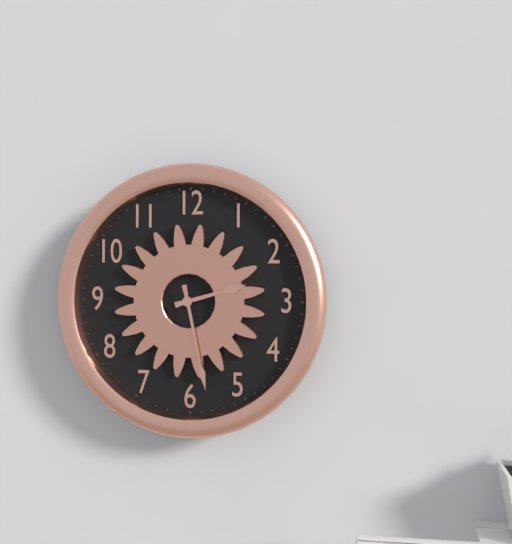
{"hour": 2, "minute": 28}
